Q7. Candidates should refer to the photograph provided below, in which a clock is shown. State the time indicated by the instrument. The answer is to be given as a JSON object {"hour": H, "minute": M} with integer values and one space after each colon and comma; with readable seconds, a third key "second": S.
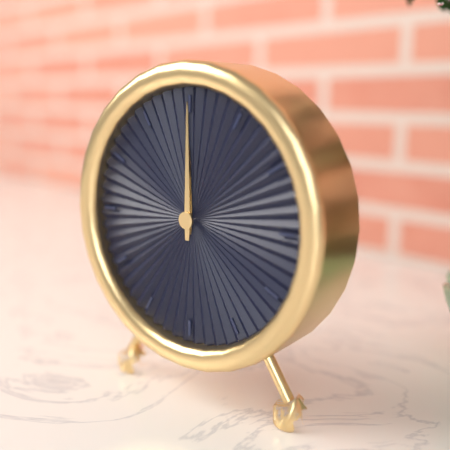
{"hour": 12, "minute": 0}
